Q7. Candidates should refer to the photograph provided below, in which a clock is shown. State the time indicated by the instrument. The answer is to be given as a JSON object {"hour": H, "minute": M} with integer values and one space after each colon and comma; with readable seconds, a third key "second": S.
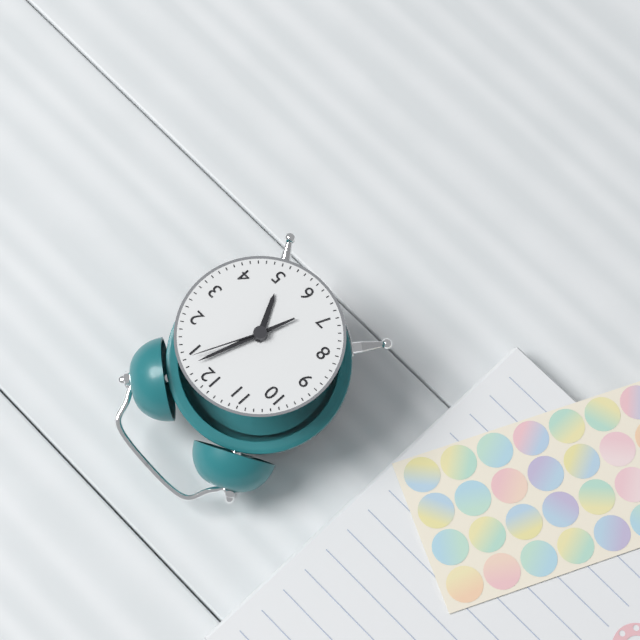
{"hour": 5, "minute": 3, "second": 4}
